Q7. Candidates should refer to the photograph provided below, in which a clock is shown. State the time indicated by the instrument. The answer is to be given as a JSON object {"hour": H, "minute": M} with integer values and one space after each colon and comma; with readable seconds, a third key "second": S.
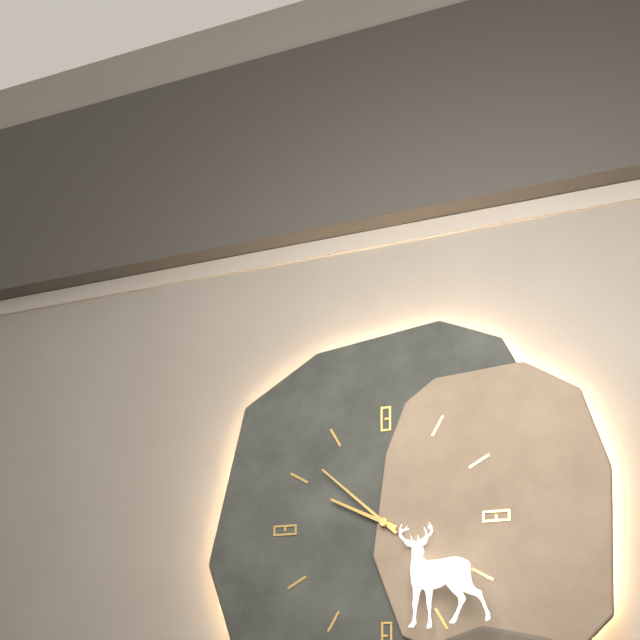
{"hour": 9, "minute": 52}
